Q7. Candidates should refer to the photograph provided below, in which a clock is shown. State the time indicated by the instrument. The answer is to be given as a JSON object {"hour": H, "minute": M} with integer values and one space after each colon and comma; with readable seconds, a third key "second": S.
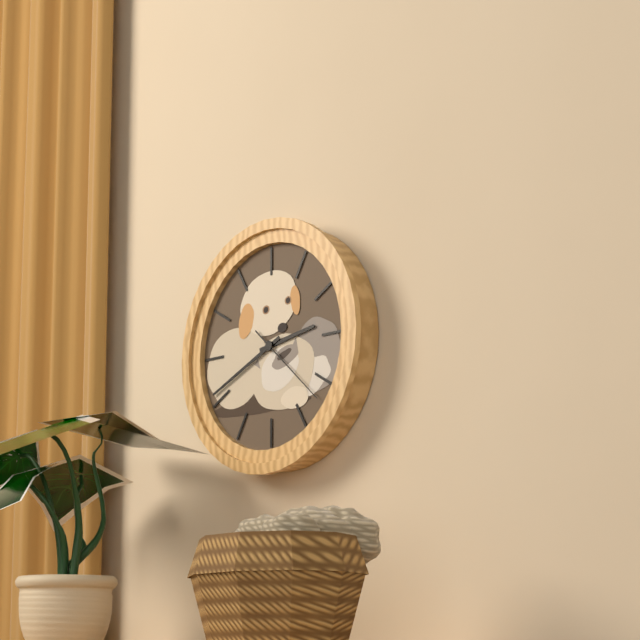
{"hour": 2, "minute": 41, "second": 22}
